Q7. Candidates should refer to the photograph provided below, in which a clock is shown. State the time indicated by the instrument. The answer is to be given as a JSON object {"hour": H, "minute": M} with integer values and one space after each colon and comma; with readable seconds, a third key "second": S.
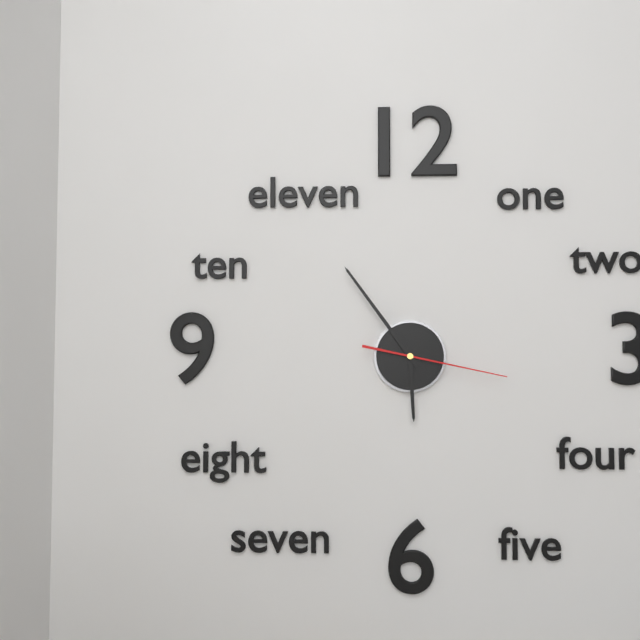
{"hour": 5, "minute": 54, "second": 17}
